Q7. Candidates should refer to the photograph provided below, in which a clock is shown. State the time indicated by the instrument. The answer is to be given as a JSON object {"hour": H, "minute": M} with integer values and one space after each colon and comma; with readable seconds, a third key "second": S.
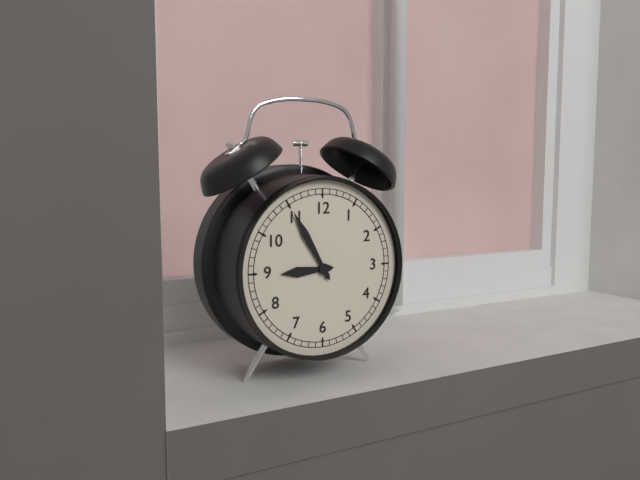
{"hour": 8, "minute": 55}
